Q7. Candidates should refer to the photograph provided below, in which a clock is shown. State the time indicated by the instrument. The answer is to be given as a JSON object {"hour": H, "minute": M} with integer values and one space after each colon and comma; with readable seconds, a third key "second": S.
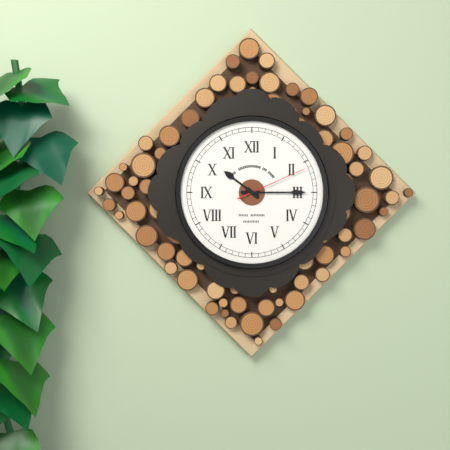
{"hour": 10, "minute": 15, "second": 11}
